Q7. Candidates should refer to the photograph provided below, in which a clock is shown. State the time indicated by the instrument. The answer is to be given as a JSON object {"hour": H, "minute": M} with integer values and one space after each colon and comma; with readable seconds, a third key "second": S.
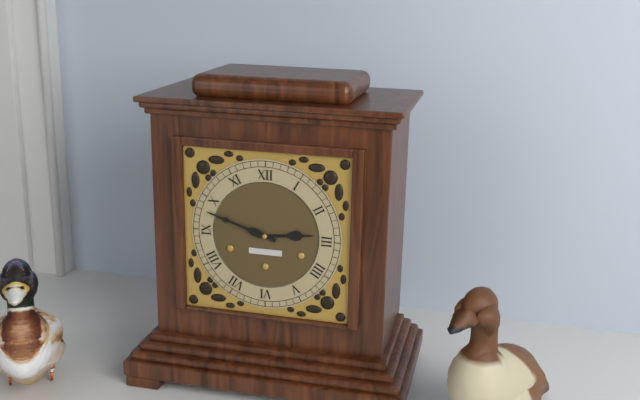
{"hour": 2, "minute": 48}
